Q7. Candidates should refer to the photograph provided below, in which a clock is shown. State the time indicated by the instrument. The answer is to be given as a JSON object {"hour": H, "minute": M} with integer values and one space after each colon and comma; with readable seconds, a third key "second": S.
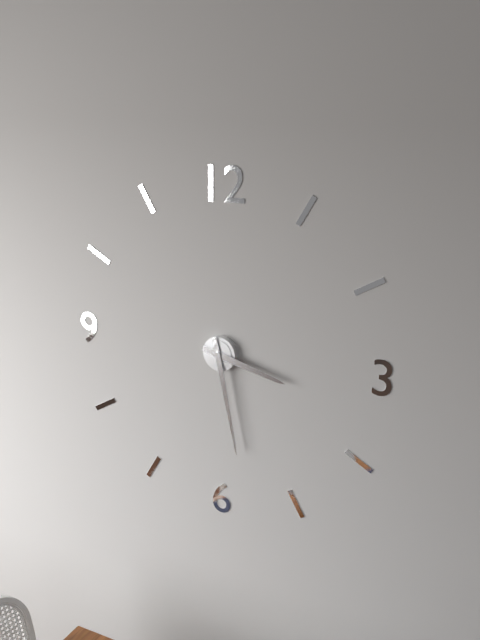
{"hour": 3, "minute": 28}
